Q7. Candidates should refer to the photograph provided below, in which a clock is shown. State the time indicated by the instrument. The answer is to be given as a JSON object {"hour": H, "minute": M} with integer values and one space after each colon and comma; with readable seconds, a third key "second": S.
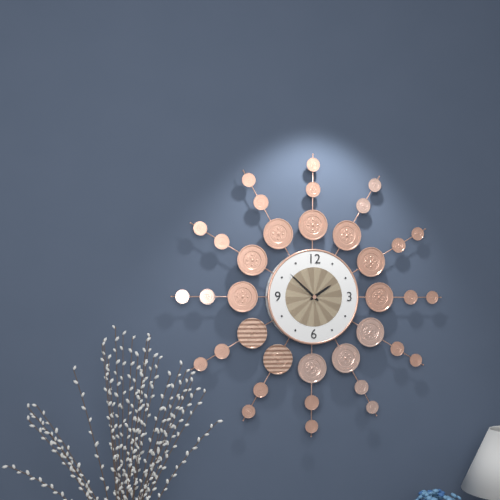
{"hour": 1, "minute": 52}
